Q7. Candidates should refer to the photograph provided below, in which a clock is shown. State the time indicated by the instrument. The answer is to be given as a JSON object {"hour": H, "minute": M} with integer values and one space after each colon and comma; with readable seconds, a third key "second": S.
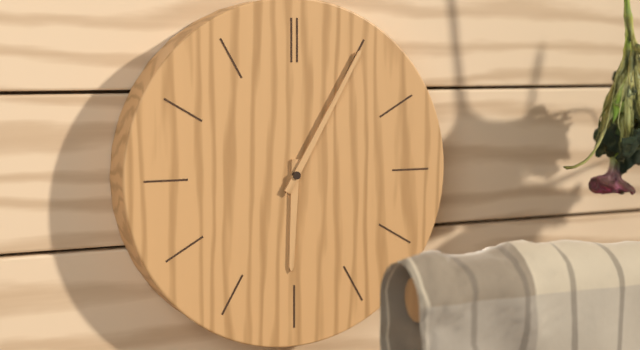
{"hour": 6, "minute": 5}
